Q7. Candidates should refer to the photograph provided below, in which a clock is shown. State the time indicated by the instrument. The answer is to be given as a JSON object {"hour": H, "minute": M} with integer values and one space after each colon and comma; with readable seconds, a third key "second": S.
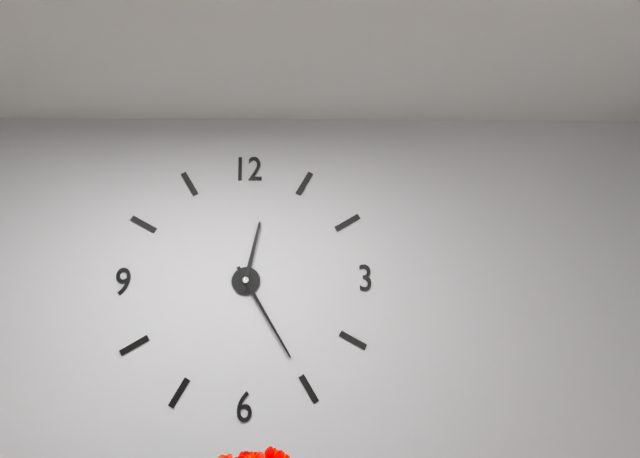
{"hour": 12, "minute": 25}
